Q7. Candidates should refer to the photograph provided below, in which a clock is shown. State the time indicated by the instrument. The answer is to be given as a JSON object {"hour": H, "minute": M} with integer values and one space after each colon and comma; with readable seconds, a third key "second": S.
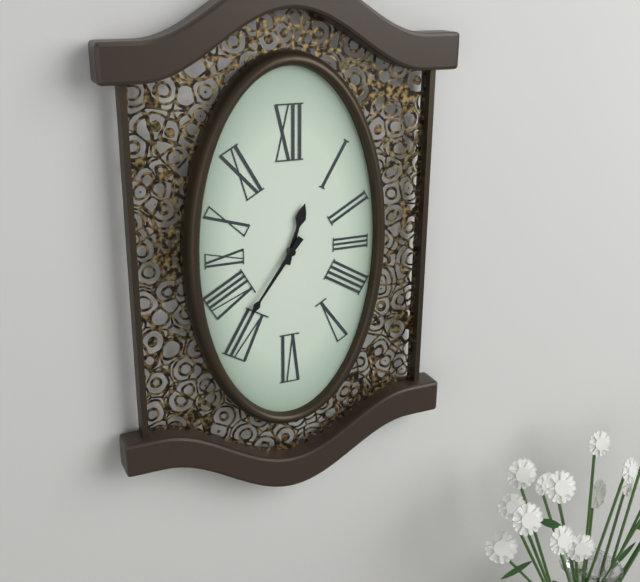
{"hour": 12, "minute": 36}
